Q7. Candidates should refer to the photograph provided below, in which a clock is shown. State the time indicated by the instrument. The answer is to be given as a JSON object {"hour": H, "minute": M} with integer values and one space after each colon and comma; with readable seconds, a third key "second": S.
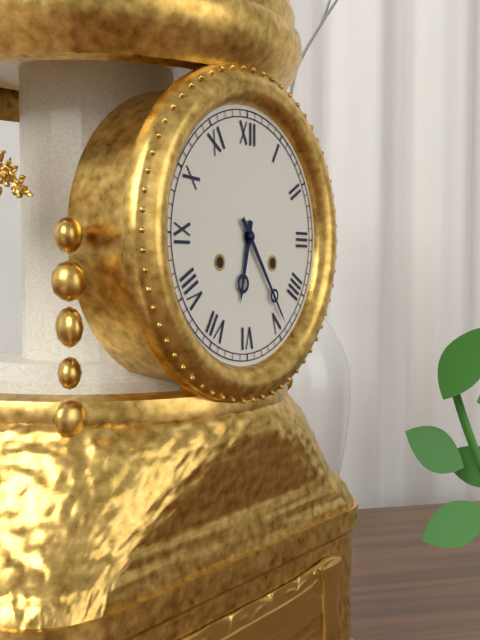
{"hour": 6, "minute": 24}
